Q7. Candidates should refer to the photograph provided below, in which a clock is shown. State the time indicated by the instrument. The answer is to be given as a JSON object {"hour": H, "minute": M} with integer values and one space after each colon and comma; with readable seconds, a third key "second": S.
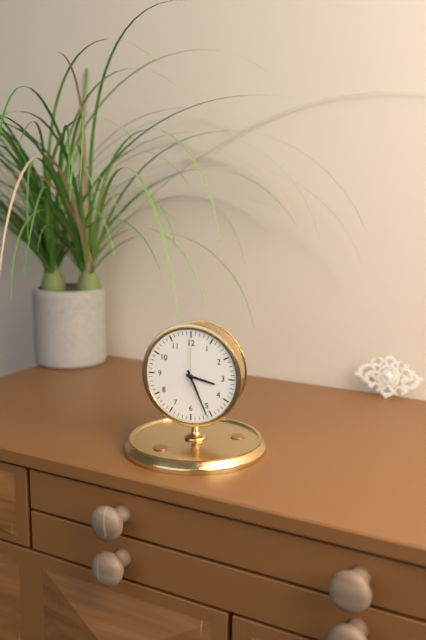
{"hour": 3, "minute": 26, "second": 0}
